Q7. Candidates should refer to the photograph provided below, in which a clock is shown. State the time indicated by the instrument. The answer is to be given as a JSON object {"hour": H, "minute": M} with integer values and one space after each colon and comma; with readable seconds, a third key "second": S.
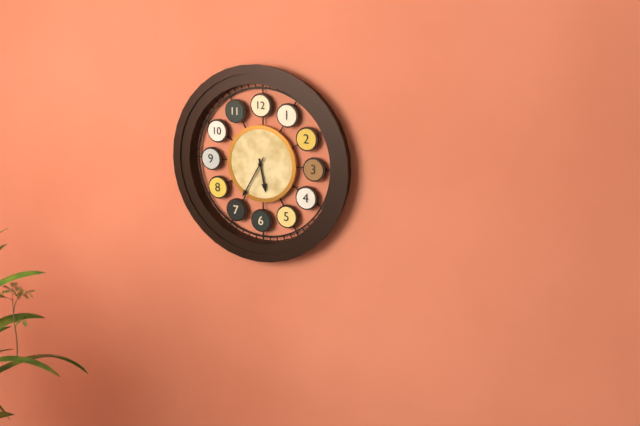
{"hour": 5, "minute": 35}
